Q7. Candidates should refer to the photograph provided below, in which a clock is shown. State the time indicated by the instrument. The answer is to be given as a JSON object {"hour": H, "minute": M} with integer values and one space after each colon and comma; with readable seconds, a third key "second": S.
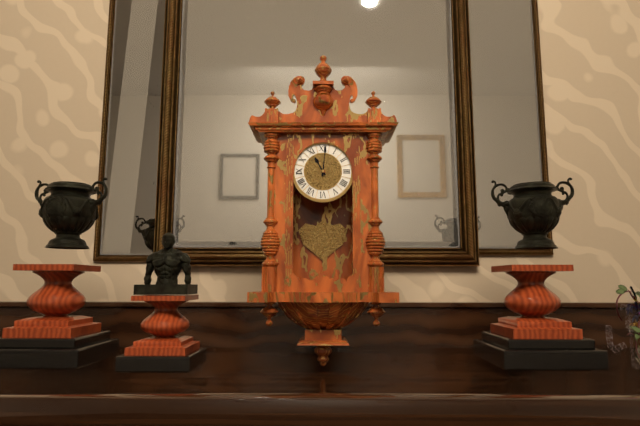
{"hour": 11, "minute": 1}
